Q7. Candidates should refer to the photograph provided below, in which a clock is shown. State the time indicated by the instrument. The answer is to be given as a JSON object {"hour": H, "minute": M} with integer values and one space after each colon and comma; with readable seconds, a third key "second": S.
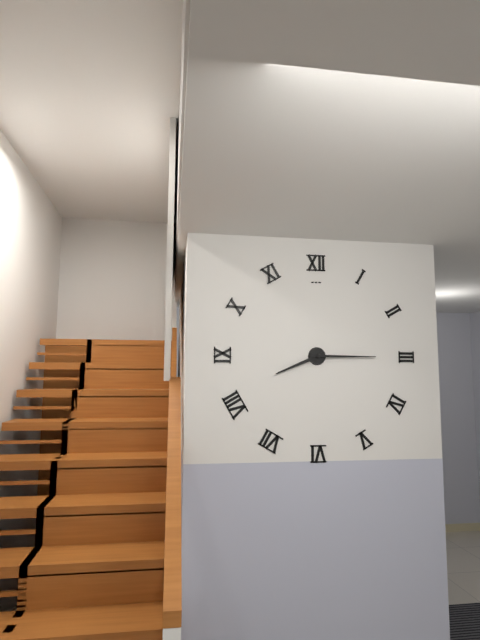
{"hour": 8, "minute": 15}
